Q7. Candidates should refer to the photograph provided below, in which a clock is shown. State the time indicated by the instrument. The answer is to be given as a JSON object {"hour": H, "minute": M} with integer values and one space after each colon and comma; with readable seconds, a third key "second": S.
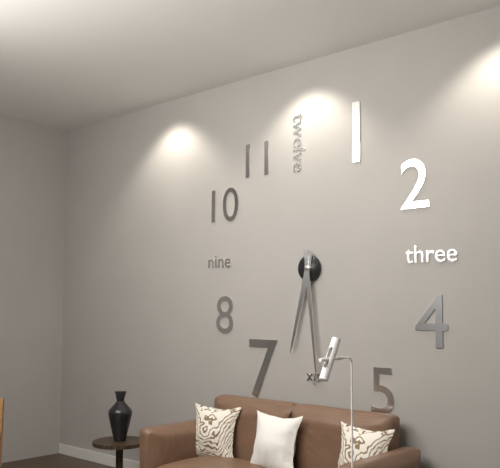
{"hour": 6, "minute": 29}
